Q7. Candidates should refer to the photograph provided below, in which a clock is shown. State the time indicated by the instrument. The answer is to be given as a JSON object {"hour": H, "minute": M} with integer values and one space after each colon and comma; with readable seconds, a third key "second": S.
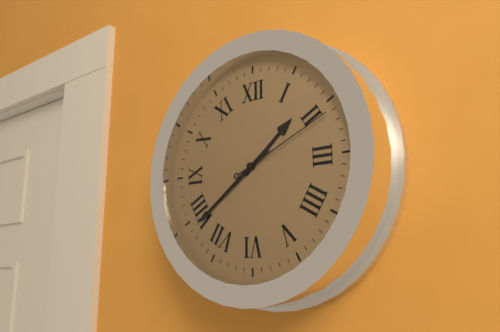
{"hour": 1, "minute": 39, "second": 11}
